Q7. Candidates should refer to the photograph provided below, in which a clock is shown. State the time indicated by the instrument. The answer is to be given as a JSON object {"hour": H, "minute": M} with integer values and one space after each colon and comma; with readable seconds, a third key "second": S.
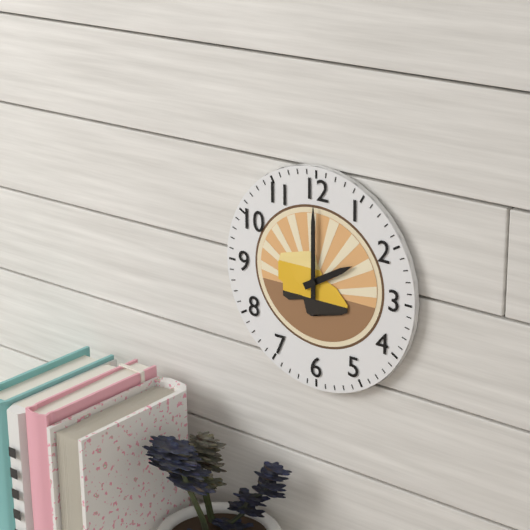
{"hour": 2, "minute": 0}
